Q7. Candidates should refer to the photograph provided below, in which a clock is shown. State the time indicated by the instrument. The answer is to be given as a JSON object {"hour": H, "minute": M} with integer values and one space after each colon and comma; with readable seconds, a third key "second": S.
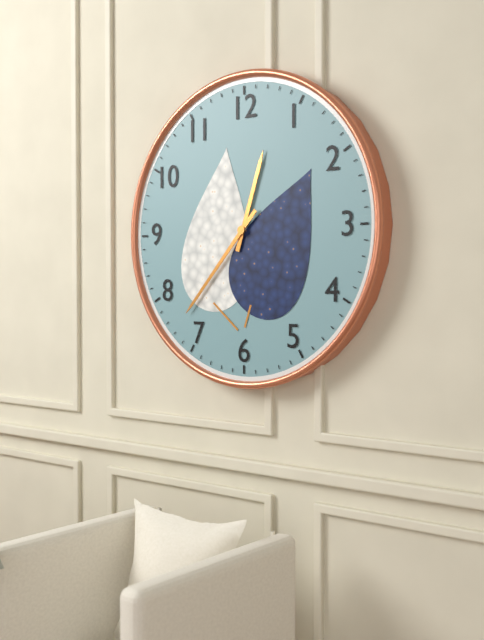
{"hour": 12, "minute": 37}
